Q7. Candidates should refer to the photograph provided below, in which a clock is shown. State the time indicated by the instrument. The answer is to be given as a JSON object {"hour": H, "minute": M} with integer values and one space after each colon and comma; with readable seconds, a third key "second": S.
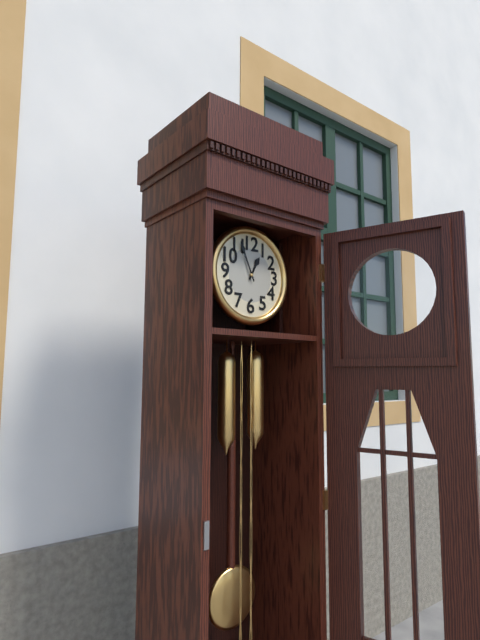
{"hour": 12, "minute": 56}
